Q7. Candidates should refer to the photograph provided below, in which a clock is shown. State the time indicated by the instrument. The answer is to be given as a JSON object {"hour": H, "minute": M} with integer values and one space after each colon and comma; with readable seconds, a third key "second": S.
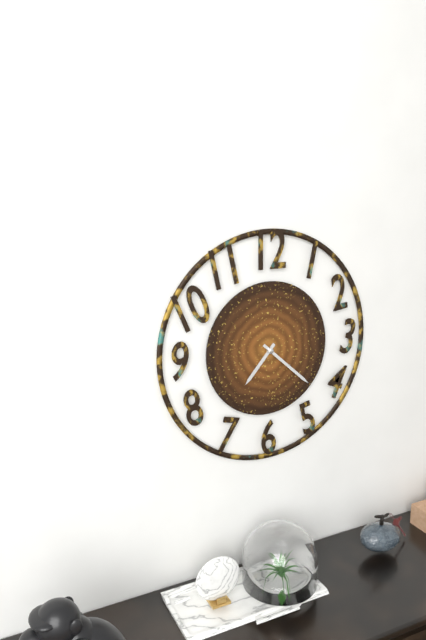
{"hour": 7, "minute": 22}
